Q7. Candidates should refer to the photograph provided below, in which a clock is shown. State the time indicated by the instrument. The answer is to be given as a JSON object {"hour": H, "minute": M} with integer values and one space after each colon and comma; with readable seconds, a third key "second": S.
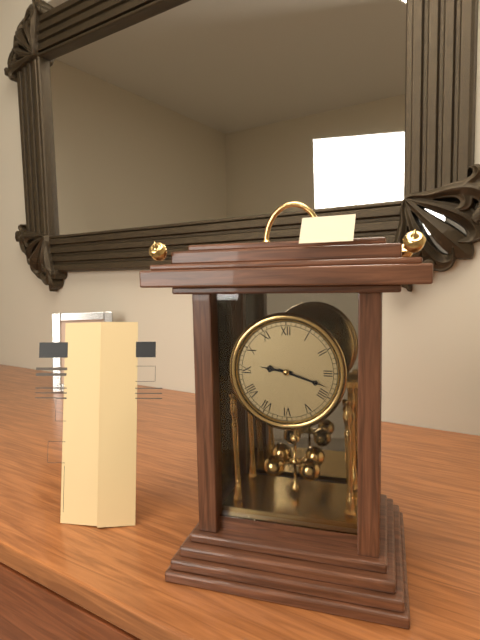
{"hour": 9, "minute": 18}
